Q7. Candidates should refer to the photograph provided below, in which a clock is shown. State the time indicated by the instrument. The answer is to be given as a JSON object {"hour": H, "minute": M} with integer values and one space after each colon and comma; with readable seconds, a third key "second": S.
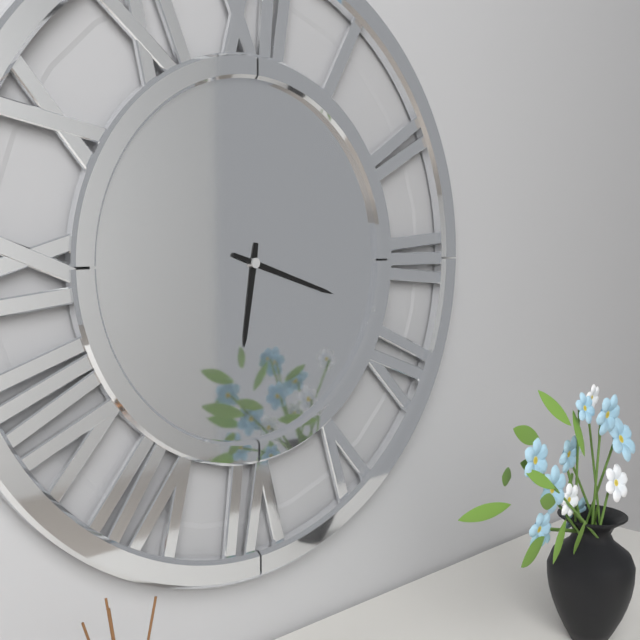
{"hour": 6, "minute": 18}
